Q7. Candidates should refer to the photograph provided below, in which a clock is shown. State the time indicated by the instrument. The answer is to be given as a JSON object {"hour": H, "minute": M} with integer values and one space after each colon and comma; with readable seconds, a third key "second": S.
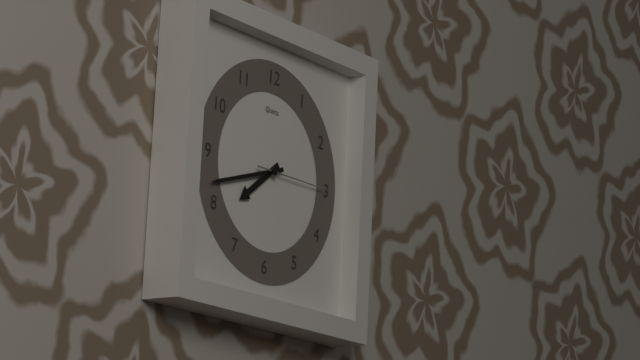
{"hour": 7, "minute": 42, "second": 15}
